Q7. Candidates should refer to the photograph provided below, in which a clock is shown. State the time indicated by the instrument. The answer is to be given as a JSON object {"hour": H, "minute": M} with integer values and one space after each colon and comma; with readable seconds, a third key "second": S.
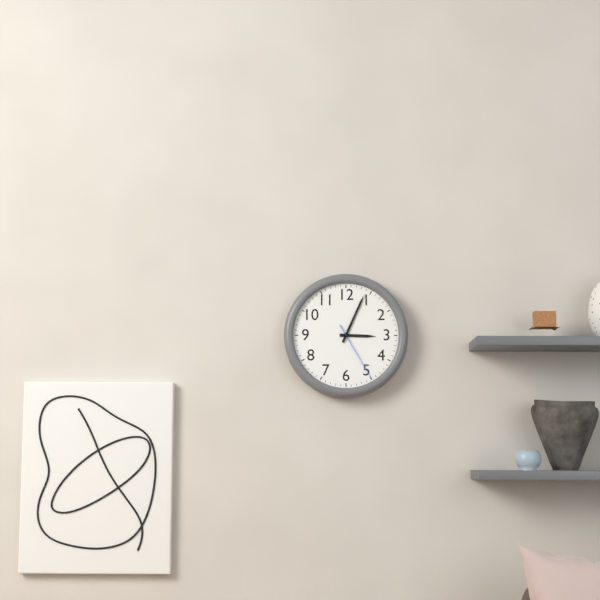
{"hour": 3, "minute": 4, "second": 25}
